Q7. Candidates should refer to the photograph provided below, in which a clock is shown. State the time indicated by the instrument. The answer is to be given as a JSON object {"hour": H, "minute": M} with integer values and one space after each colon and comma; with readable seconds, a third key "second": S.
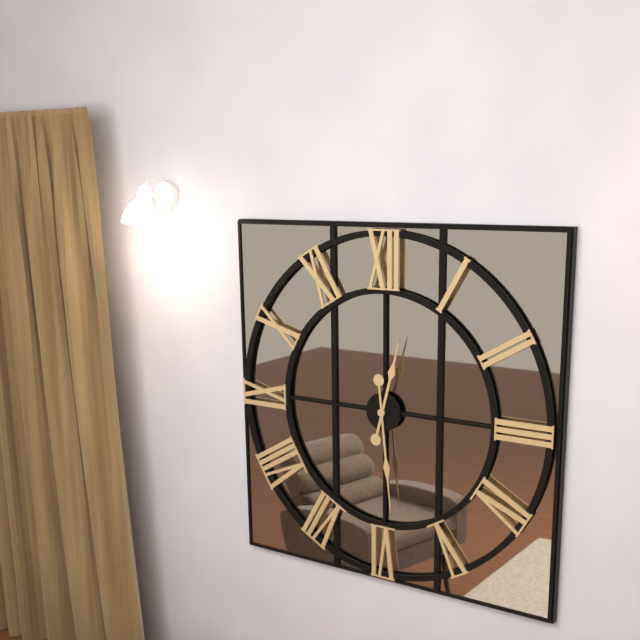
{"hour": 12, "minute": 29}
